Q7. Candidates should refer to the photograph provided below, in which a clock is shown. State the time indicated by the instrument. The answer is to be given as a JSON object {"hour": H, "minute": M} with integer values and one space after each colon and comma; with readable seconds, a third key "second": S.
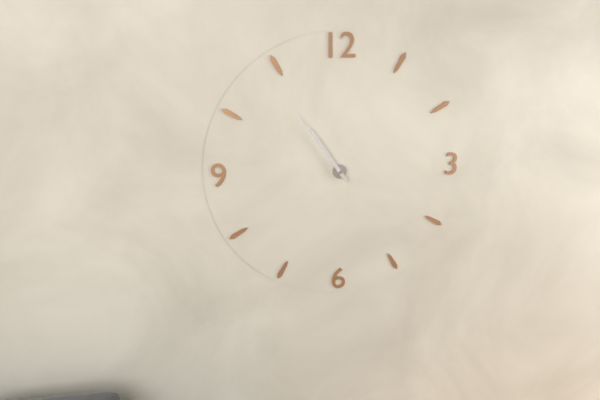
{"hour": 10, "minute": 54}
